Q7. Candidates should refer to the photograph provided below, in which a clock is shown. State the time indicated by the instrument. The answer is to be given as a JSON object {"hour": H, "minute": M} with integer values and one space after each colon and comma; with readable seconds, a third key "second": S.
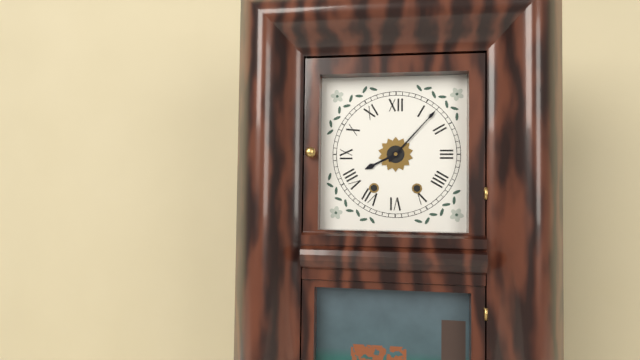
{"hour": 8, "minute": 7}
